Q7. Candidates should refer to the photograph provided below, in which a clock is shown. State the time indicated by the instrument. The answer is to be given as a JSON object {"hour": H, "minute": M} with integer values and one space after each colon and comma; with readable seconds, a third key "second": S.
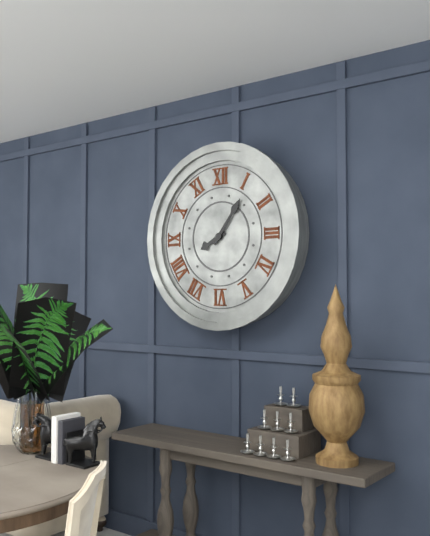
{"hour": 8, "minute": 6}
